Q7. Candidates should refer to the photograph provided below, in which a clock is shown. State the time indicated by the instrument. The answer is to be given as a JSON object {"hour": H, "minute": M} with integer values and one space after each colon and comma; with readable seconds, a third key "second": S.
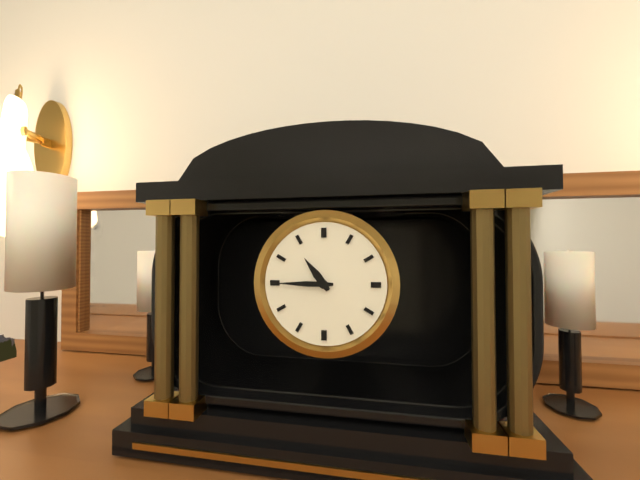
{"hour": 10, "minute": 45}
